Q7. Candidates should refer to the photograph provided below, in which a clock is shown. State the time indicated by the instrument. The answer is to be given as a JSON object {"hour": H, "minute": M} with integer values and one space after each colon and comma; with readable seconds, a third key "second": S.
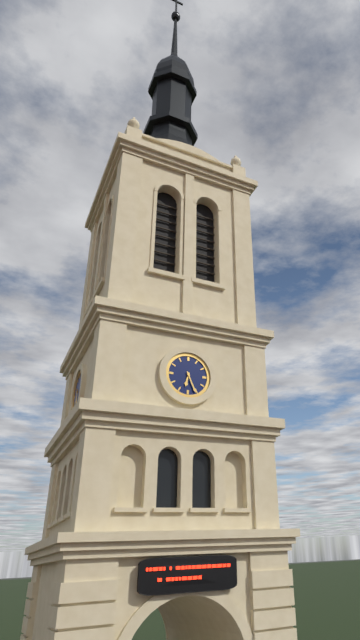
{"hour": 6, "minute": 26}
